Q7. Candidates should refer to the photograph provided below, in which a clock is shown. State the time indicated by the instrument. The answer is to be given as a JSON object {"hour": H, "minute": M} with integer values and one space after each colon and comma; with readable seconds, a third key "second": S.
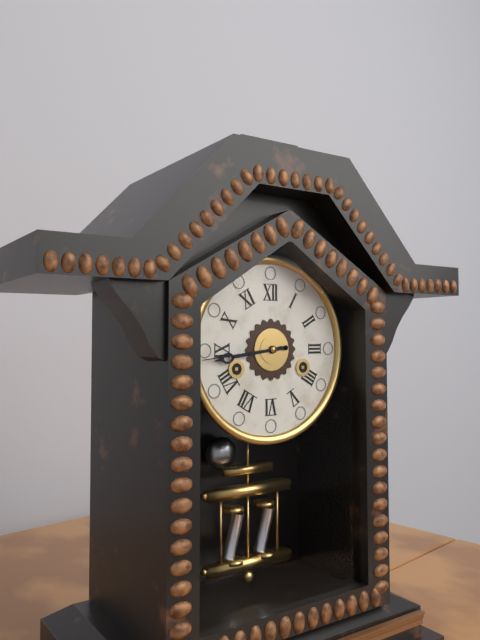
{"hour": 8, "minute": 44}
